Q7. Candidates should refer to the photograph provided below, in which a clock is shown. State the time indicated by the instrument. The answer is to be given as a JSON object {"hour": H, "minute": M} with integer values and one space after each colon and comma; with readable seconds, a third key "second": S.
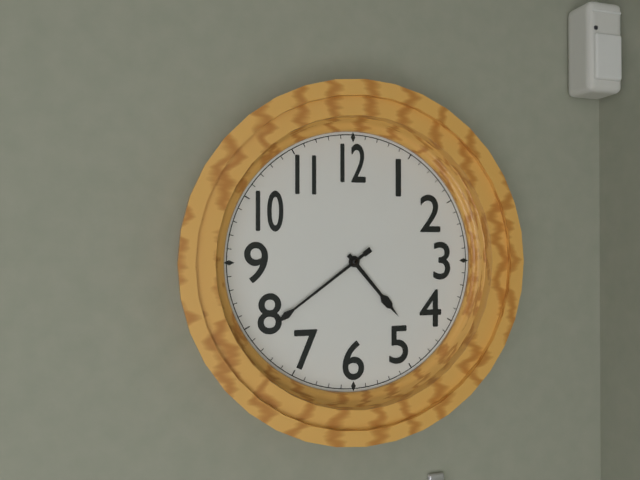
{"hour": 4, "minute": 39}
